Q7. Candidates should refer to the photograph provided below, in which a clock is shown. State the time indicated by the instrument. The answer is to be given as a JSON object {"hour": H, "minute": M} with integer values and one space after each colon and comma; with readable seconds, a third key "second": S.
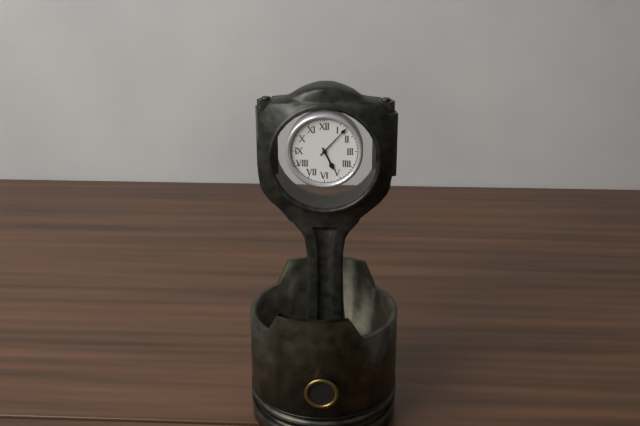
{"hour": 5, "minute": 7}
